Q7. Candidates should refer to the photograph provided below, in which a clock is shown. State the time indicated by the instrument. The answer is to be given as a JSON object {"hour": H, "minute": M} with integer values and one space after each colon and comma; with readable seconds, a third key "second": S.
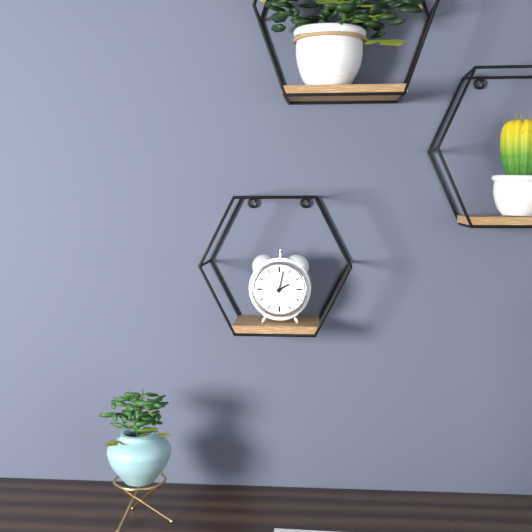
{"hour": 2, "minute": 2}
